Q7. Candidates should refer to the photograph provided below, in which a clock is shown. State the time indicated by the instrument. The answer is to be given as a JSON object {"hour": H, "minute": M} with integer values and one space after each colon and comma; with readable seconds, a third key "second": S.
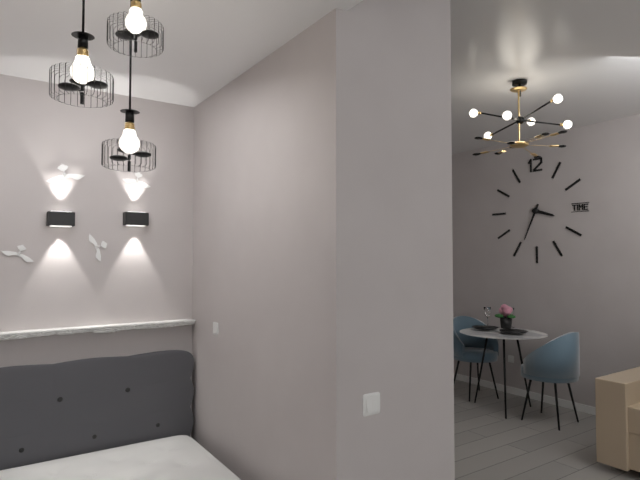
{"hour": 3, "minute": 34}
